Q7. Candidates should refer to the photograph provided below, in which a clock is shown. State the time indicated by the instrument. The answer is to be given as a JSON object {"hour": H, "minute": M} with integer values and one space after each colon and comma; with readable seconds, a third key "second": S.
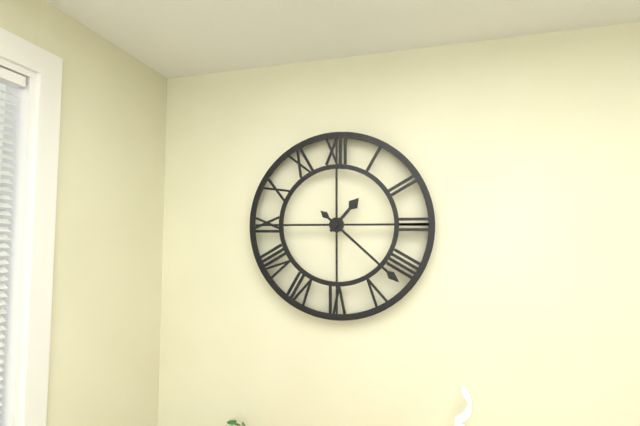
{"hour": 1, "minute": 22}
